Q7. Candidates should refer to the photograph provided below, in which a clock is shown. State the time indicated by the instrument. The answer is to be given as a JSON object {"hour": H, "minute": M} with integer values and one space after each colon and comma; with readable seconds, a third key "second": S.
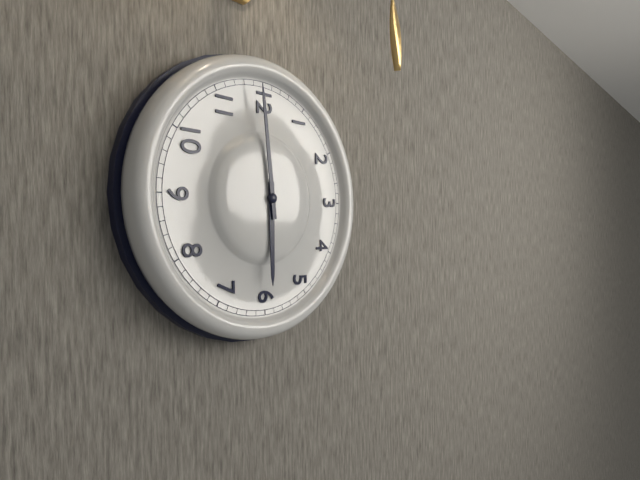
{"hour": 5, "minute": 59}
